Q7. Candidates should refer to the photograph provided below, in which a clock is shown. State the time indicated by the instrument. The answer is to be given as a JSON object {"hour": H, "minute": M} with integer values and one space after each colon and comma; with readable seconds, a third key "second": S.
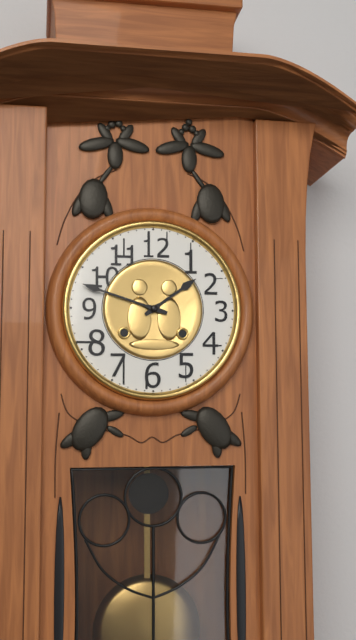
{"hour": 1, "minute": 48}
